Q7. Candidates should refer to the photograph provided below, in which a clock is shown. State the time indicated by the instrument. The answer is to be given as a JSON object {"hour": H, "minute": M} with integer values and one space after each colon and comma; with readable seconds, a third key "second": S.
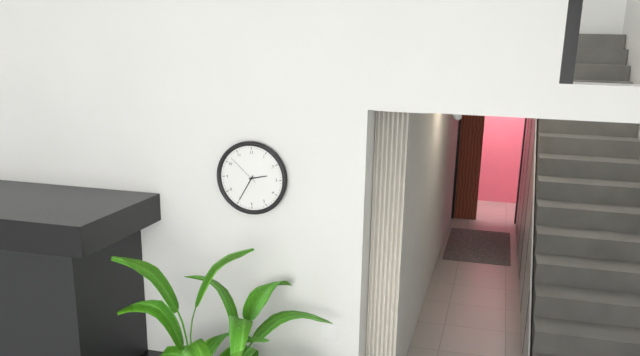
{"hour": 2, "minute": 35}
